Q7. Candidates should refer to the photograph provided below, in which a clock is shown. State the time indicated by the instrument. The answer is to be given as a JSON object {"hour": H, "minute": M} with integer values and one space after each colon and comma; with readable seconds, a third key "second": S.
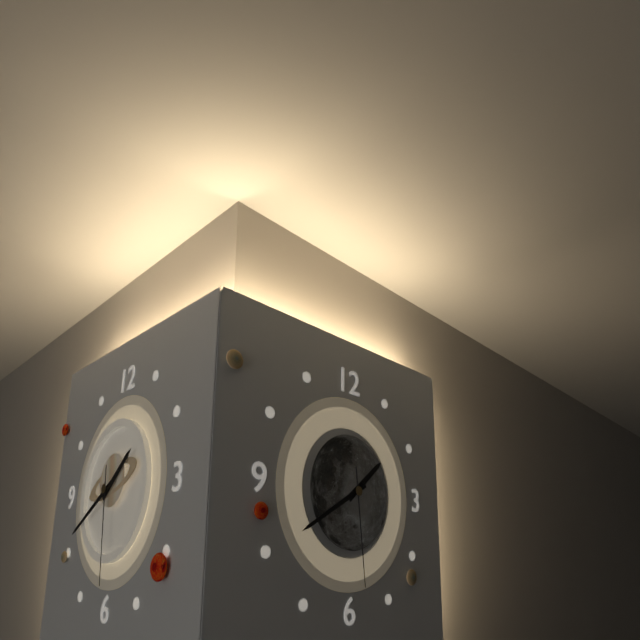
{"hour": 1, "minute": 40, "second": 29}
